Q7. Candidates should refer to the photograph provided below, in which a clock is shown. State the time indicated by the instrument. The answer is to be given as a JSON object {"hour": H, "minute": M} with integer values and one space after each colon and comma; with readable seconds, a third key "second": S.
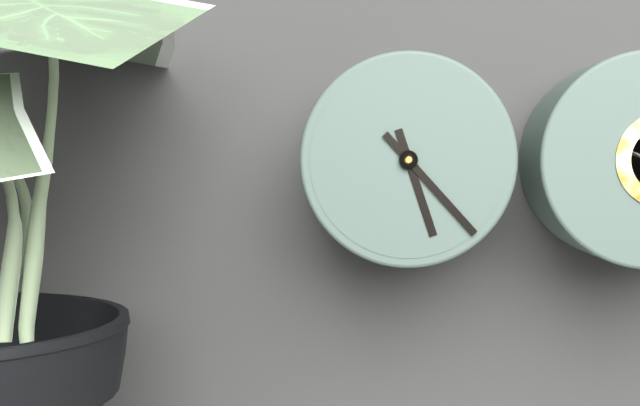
{"hour": 5, "minute": 23}
